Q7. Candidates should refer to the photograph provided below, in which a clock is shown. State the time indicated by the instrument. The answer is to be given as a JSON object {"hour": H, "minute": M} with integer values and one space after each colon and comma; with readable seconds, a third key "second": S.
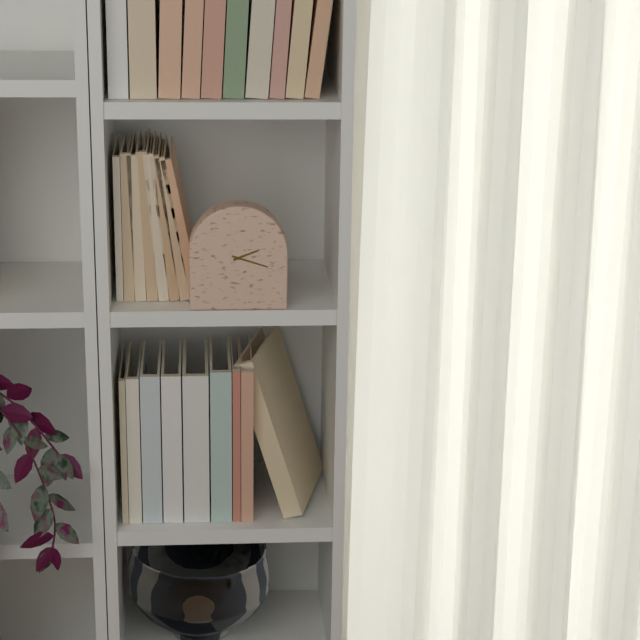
{"hour": 2, "minute": 18}
